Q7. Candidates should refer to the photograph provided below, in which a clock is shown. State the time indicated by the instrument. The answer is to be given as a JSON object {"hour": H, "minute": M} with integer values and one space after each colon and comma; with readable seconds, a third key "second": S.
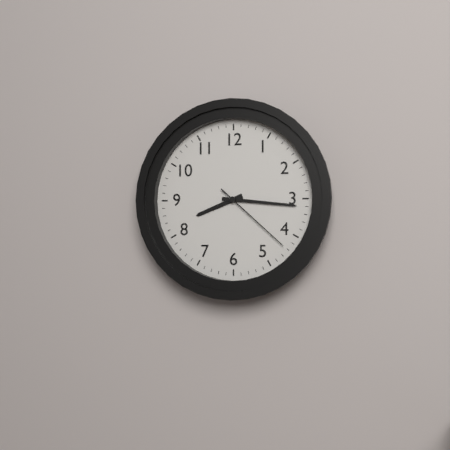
{"hour": 8, "minute": 16, "second": 22}
